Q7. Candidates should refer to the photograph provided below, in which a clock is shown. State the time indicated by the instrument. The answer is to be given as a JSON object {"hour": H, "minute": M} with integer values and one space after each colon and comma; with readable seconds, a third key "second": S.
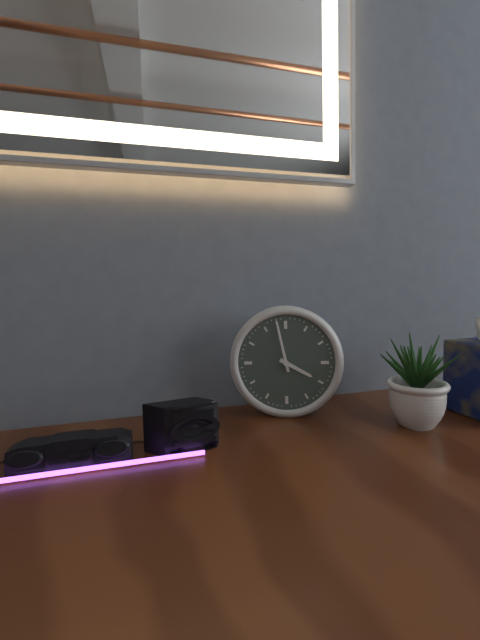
{"hour": 3, "minute": 58}
